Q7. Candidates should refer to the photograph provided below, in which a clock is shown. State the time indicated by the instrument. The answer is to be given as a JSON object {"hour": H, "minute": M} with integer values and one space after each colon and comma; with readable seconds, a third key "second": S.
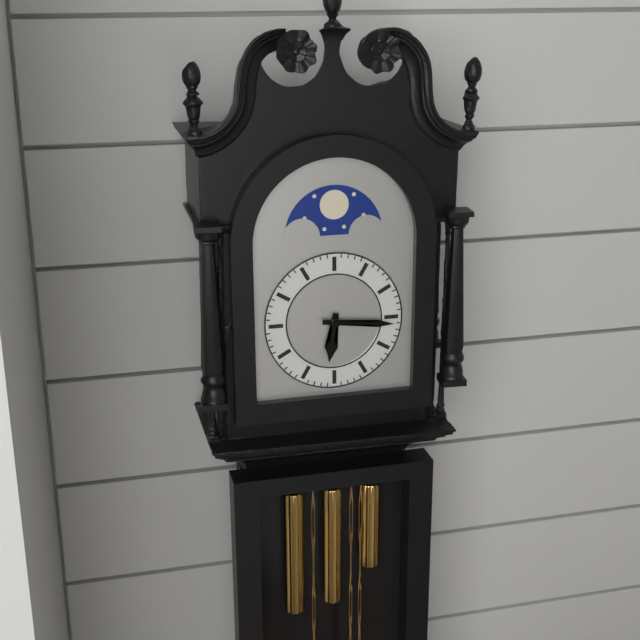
{"hour": 6, "minute": 16}
